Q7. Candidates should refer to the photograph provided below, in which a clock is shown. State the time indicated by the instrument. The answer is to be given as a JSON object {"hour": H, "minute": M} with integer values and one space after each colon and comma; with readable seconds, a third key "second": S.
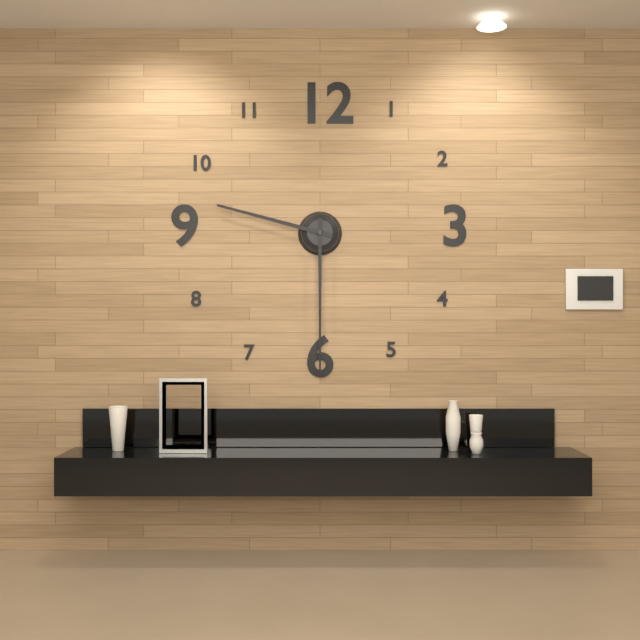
{"hour": 9, "minute": 30}
